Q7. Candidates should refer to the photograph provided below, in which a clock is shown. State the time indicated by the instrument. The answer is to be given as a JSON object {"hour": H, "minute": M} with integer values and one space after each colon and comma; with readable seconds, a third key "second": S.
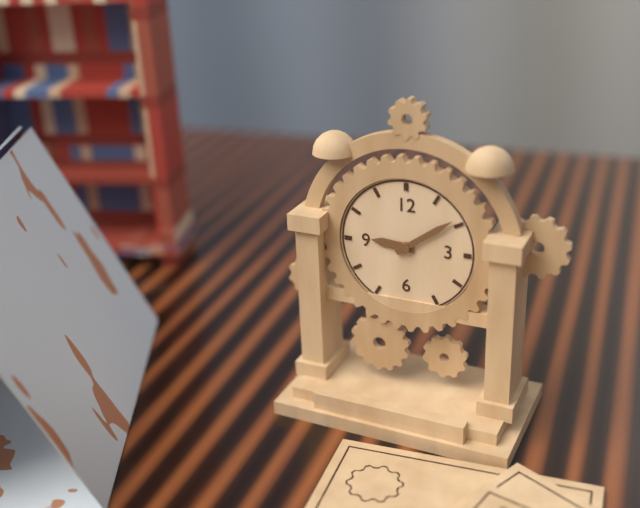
{"hour": 9, "minute": 9}
